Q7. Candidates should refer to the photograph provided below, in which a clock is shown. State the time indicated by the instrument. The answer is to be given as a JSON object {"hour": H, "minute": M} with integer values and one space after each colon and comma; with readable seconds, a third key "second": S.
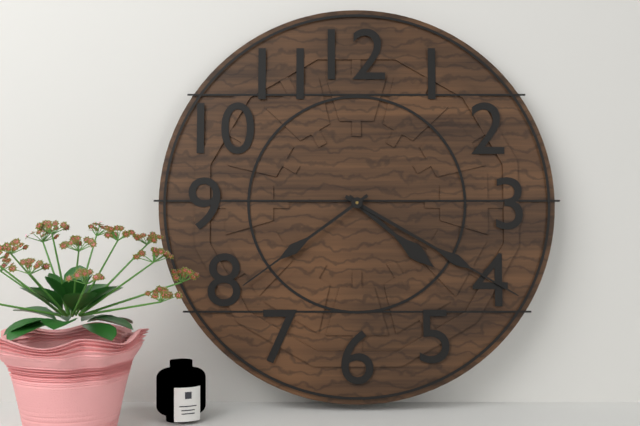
{"hour": 4, "minute": 20, "second": 39}
